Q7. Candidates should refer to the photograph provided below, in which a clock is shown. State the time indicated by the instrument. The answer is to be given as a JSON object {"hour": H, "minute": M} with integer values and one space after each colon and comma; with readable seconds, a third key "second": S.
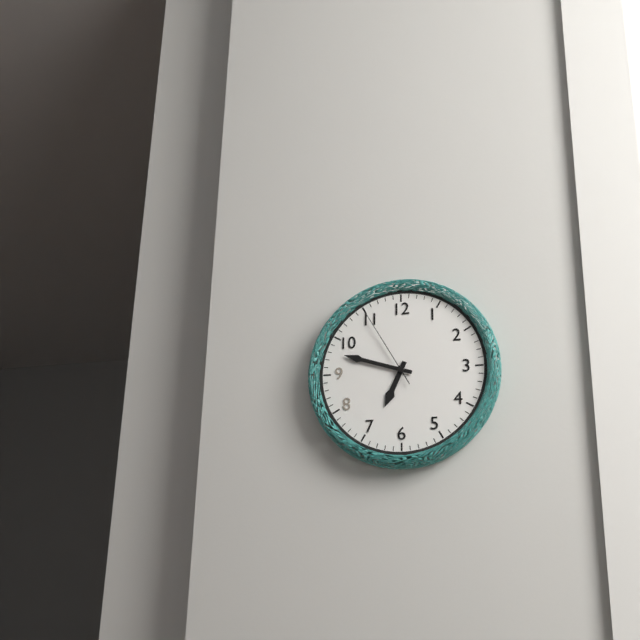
{"hour": 6, "minute": 48, "second": 55}
